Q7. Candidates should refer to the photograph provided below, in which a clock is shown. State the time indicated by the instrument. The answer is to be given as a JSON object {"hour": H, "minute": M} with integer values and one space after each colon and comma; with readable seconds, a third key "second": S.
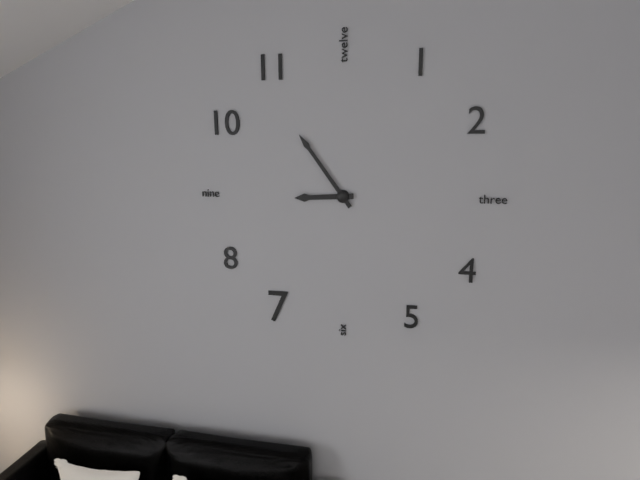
{"hour": 8, "minute": 54}
